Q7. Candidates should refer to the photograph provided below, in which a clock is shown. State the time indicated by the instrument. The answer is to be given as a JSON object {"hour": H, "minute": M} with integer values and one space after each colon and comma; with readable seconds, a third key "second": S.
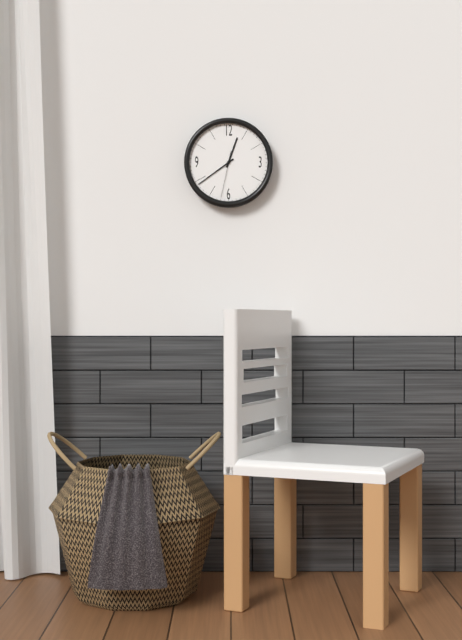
{"hour": 12, "minute": 39}
